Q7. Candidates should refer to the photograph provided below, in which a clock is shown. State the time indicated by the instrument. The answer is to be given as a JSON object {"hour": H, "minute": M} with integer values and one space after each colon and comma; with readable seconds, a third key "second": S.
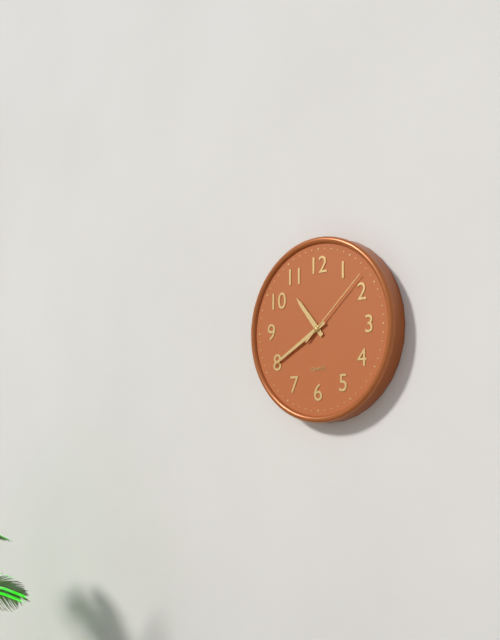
{"hour": 10, "minute": 40, "second": 8}
